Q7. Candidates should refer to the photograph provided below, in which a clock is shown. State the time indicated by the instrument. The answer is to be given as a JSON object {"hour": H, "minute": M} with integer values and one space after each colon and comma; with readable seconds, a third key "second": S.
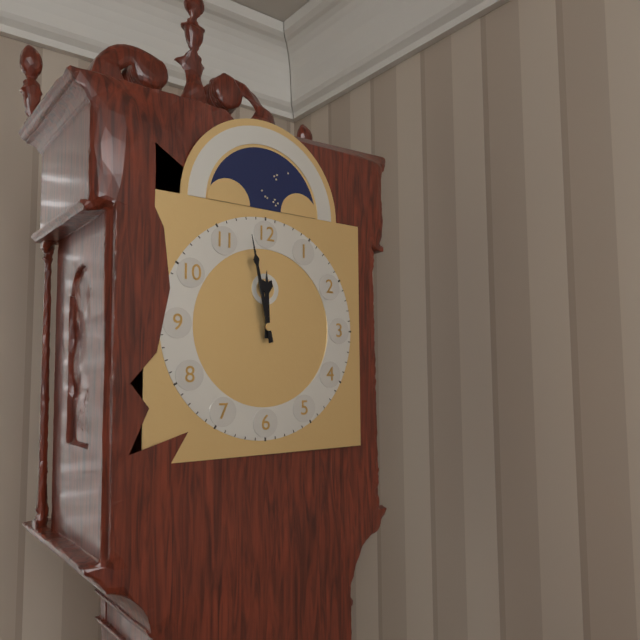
{"hour": 11, "minute": 58}
